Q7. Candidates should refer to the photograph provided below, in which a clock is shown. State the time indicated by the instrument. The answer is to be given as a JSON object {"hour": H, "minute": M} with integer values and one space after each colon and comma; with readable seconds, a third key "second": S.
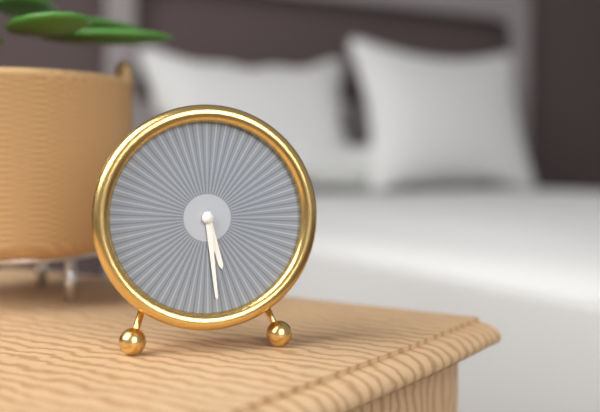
{"hour": 5, "minute": 29}
